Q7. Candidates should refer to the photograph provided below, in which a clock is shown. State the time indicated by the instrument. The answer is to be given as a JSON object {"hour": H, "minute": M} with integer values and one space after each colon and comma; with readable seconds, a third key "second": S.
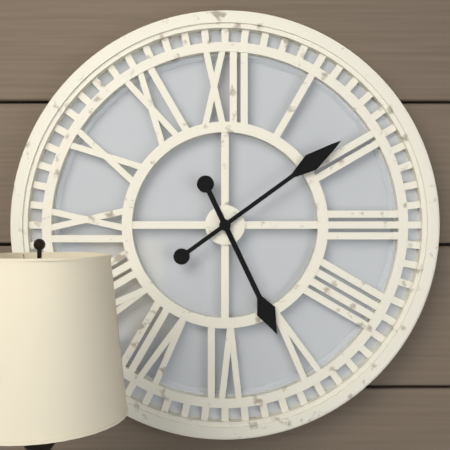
{"hour": 5, "minute": 9}
